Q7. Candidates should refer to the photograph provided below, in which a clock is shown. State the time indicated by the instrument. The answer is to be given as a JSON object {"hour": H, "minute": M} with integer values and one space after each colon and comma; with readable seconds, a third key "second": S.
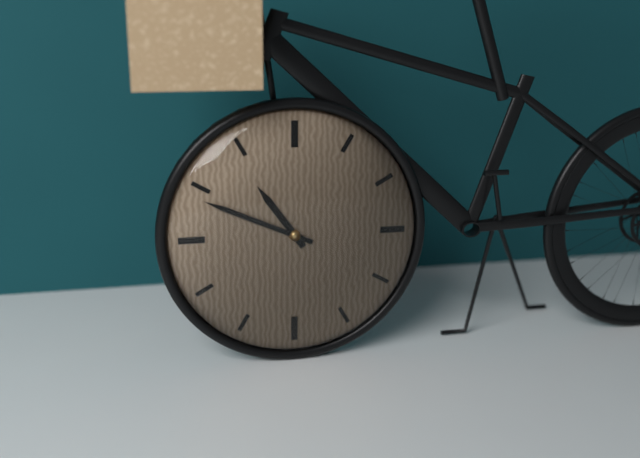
{"hour": 10, "minute": 49}
